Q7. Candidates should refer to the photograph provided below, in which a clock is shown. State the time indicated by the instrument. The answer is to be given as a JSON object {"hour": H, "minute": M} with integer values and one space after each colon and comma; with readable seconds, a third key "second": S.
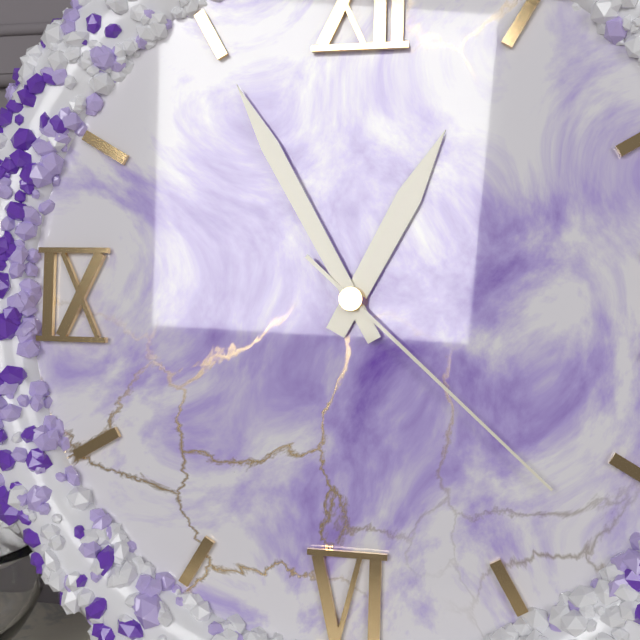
{"hour": 12, "minute": 55, "second": 22}
